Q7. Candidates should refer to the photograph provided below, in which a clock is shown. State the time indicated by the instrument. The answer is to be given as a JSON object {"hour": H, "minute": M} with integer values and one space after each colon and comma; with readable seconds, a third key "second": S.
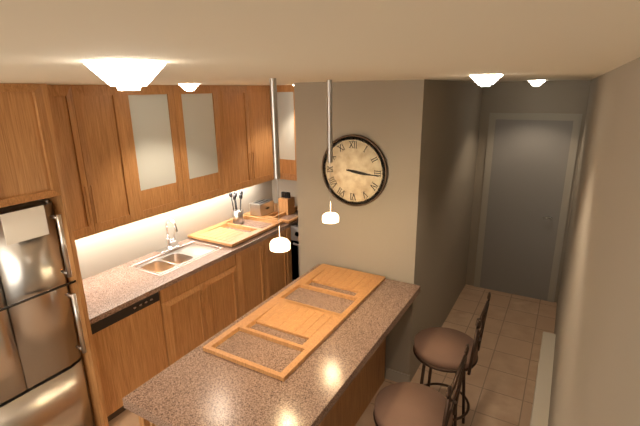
{"hour": 3, "minute": 16}
